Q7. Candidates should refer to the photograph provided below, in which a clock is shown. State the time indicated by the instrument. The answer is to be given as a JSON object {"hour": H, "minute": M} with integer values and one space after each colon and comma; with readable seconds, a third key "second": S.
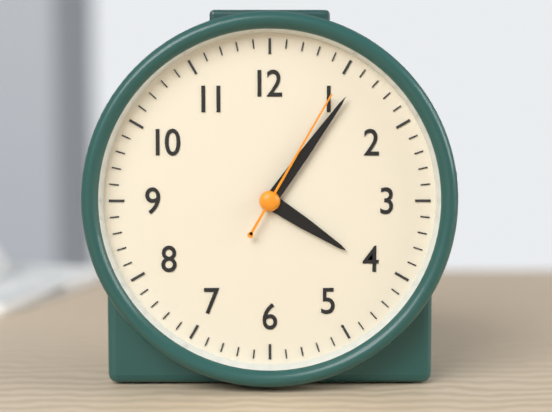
{"hour": 4, "minute": 6, "second": 5}
